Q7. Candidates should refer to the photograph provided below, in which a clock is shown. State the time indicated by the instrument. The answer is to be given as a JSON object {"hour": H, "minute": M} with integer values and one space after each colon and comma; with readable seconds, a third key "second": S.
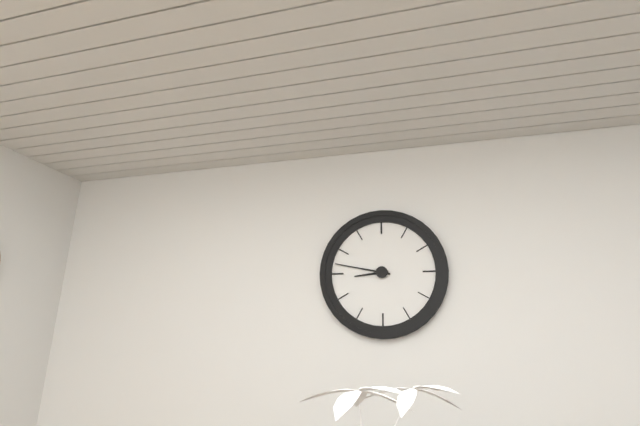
{"hour": 8, "minute": 47}
